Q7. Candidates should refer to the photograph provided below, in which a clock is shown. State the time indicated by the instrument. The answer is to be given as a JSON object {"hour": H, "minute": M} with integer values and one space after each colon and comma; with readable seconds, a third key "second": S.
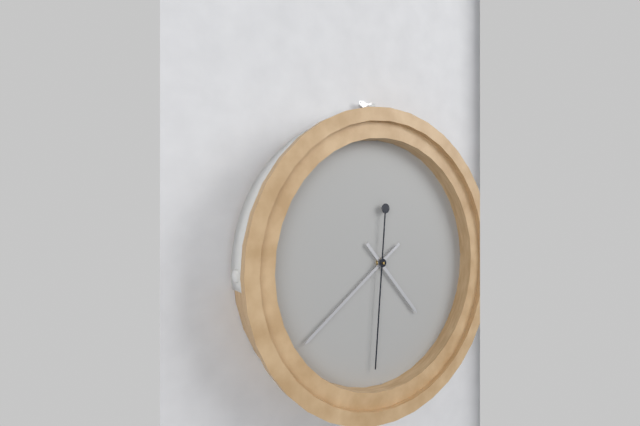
{"hour": 4, "minute": 39, "second": 31}
